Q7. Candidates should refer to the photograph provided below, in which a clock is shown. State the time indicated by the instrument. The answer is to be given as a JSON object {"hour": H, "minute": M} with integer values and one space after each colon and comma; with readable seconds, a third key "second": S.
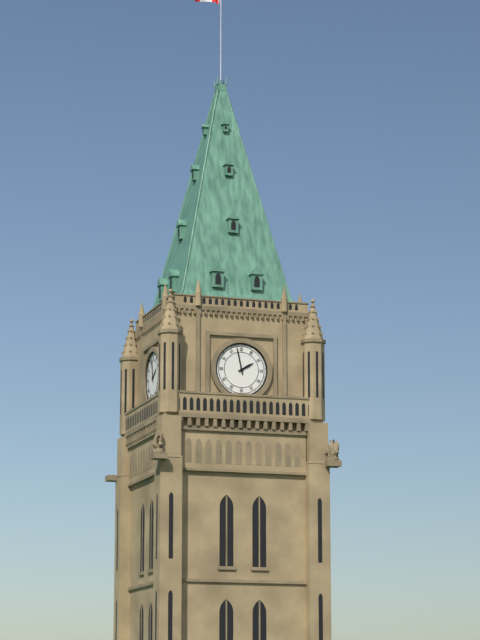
{"hour": 1, "minute": 58}
